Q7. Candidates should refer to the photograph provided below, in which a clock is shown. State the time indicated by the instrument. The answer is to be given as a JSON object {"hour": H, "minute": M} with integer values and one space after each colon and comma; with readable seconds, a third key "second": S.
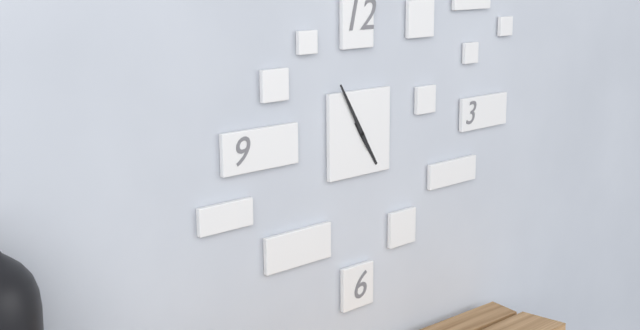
{"hour": 4, "minute": 55}
